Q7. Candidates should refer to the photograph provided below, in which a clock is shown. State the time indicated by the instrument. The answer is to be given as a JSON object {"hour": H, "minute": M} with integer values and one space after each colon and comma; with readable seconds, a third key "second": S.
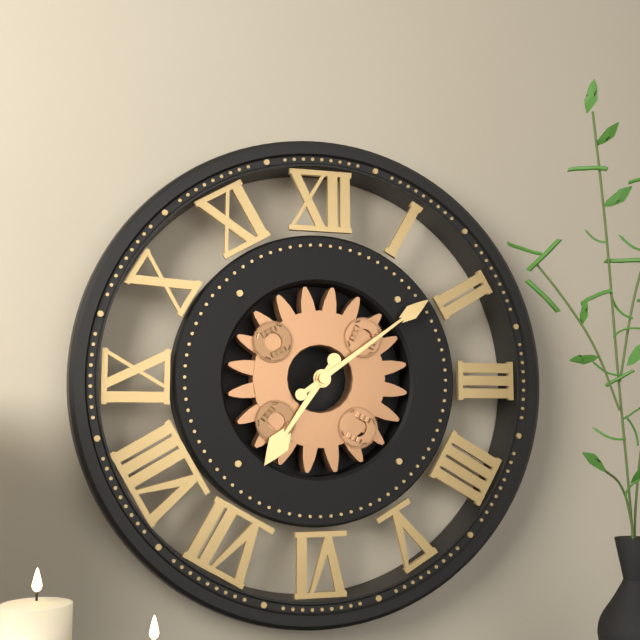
{"hour": 7, "minute": 9}
